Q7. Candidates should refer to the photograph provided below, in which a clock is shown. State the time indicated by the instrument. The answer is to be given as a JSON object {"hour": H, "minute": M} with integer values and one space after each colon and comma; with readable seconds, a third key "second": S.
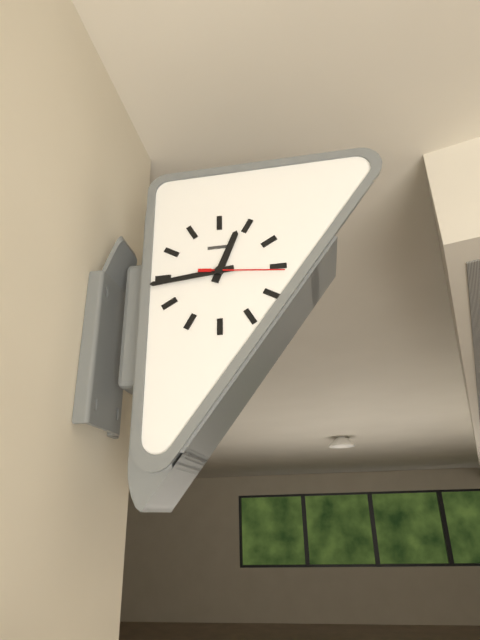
{"hour": 12, "minute": 44, "second": 16}
